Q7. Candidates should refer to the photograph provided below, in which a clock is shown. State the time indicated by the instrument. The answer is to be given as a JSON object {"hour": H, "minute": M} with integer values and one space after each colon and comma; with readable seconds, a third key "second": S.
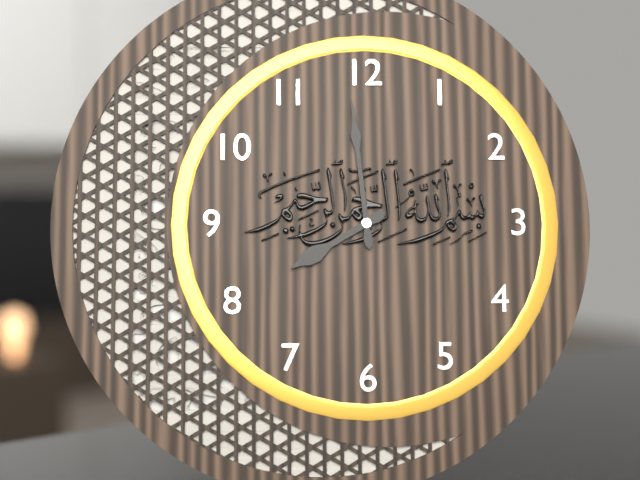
{"hour": 7, "minute": 59}
